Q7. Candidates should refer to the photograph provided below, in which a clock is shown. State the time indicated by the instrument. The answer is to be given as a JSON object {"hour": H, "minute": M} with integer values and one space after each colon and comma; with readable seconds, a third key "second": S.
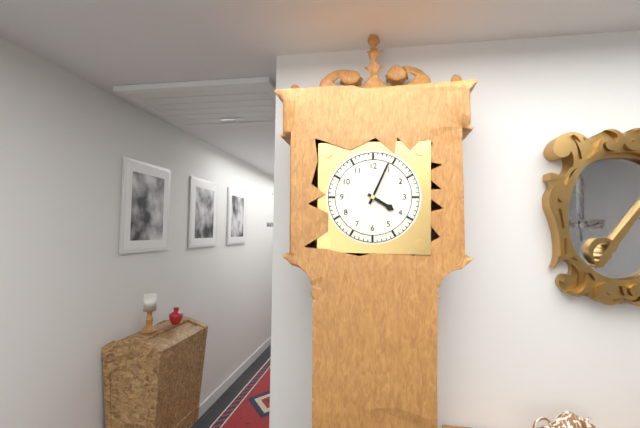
{"hour": 4, "minute": 4}
